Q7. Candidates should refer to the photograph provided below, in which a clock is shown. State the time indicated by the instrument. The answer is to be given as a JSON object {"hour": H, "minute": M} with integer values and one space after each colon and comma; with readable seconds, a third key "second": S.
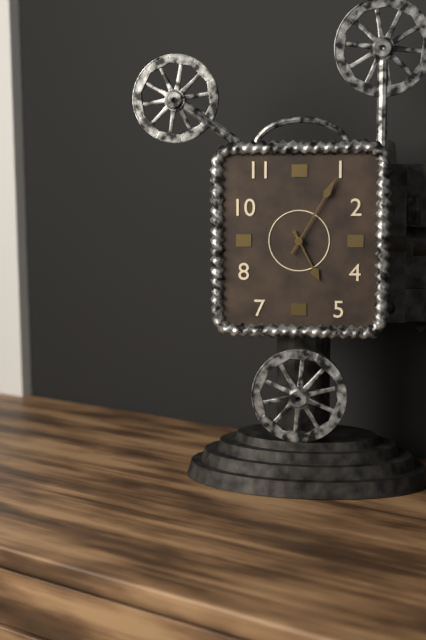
{"hour": 5, "minute": 5}
